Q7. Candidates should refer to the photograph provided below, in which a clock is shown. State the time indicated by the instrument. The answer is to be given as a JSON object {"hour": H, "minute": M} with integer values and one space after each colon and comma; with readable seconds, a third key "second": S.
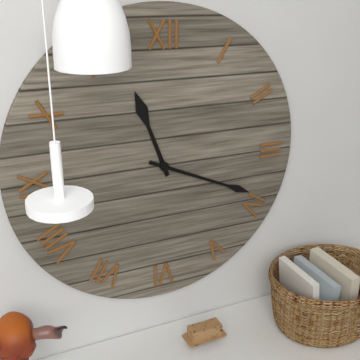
{"hour": 11, "minute": 19}
